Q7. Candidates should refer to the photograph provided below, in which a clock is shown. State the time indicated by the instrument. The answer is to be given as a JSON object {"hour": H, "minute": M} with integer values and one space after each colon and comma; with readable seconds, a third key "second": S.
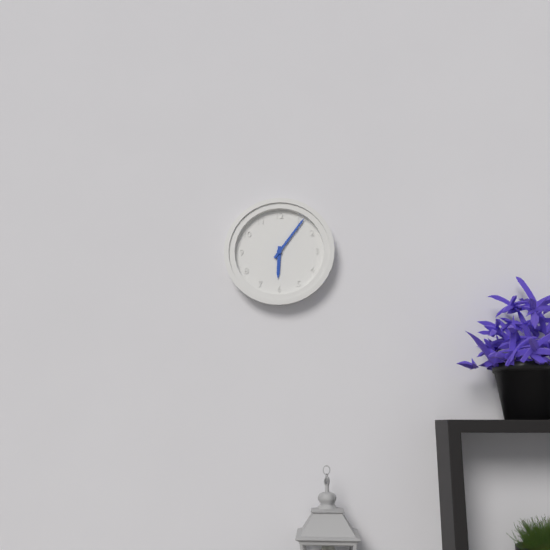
{"hour": 6, "minute": 6}
